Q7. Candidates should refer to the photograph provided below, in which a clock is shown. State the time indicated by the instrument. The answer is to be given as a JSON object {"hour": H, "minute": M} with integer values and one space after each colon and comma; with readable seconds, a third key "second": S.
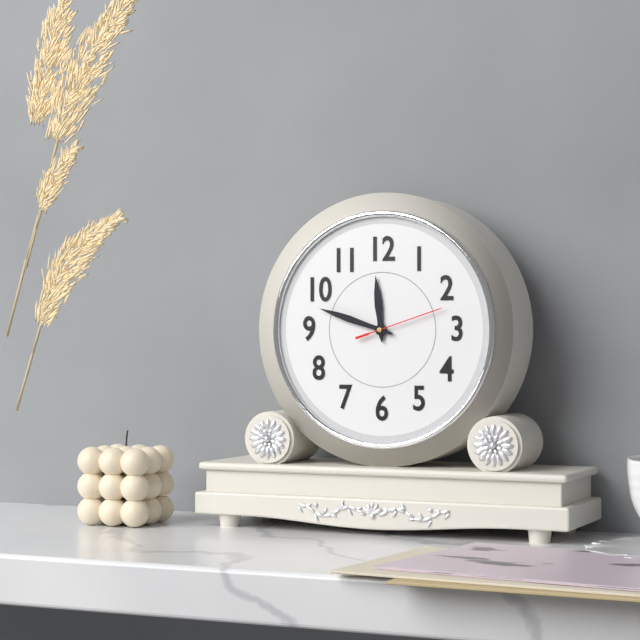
{"hour": 11, "minute": 48, "second": 12}
